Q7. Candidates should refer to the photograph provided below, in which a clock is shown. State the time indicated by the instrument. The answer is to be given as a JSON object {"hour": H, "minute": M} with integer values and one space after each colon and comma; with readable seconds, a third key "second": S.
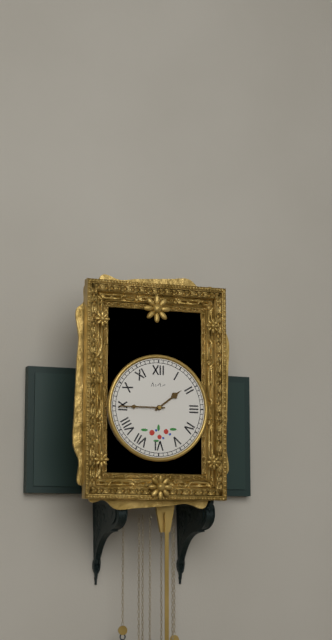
{"hour": 1, "minute": 45}
